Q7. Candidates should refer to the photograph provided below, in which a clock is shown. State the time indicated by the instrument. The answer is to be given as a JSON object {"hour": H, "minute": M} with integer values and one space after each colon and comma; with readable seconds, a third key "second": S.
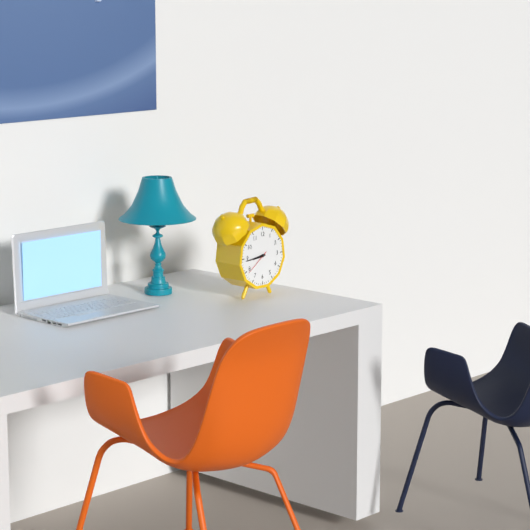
{"hour": 8, "minute": 44}
